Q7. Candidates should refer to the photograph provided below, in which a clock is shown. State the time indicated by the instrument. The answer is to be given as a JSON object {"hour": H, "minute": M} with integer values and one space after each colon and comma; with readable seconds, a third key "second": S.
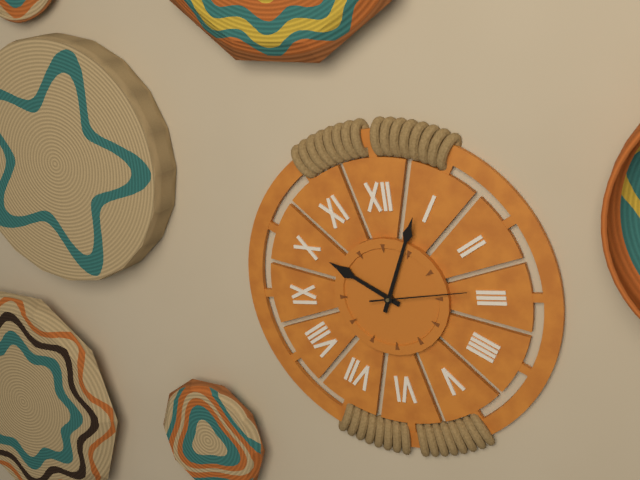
{"hour": 10, "minute": 4, "second": 14}
